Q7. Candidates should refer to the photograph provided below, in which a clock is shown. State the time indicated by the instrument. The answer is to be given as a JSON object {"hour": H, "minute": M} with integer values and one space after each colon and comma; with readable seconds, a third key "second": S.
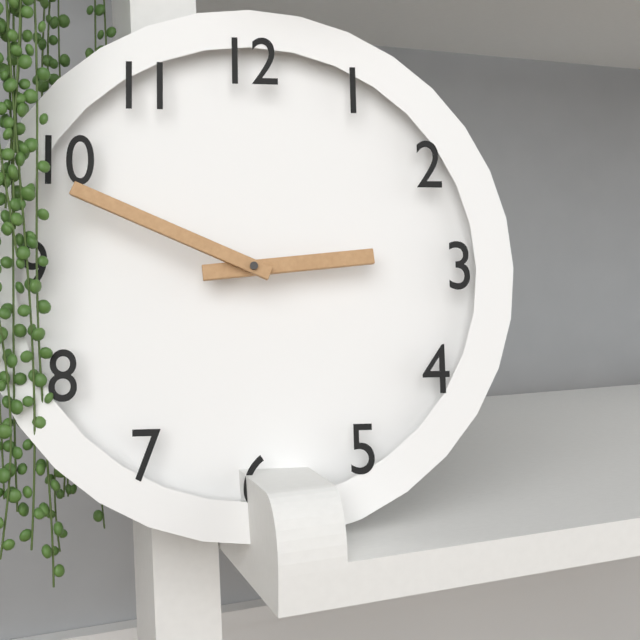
{"hour": 2, "minute": 49}
